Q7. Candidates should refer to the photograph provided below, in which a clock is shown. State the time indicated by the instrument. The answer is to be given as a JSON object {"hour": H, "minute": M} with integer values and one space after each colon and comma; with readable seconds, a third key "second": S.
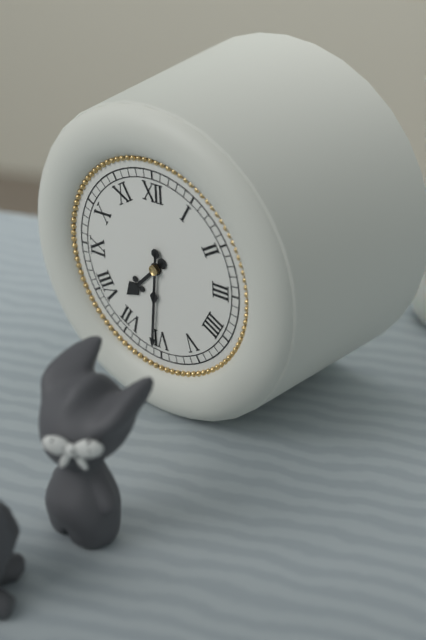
{"hour": 7, "minute": 31}
